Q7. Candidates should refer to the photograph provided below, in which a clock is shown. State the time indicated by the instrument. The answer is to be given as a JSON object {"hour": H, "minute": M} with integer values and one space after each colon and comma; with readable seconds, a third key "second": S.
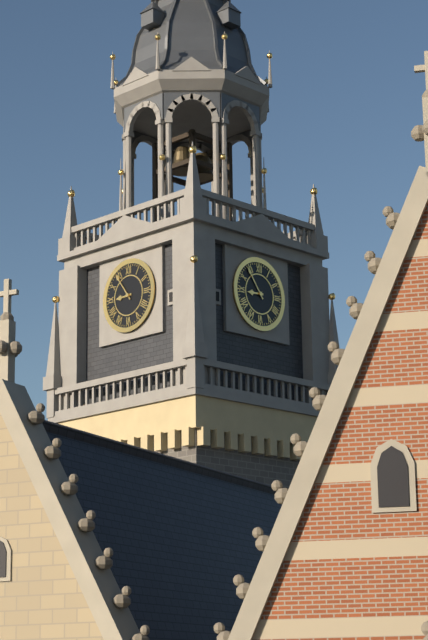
{"hour": 8, "minute": 54}
